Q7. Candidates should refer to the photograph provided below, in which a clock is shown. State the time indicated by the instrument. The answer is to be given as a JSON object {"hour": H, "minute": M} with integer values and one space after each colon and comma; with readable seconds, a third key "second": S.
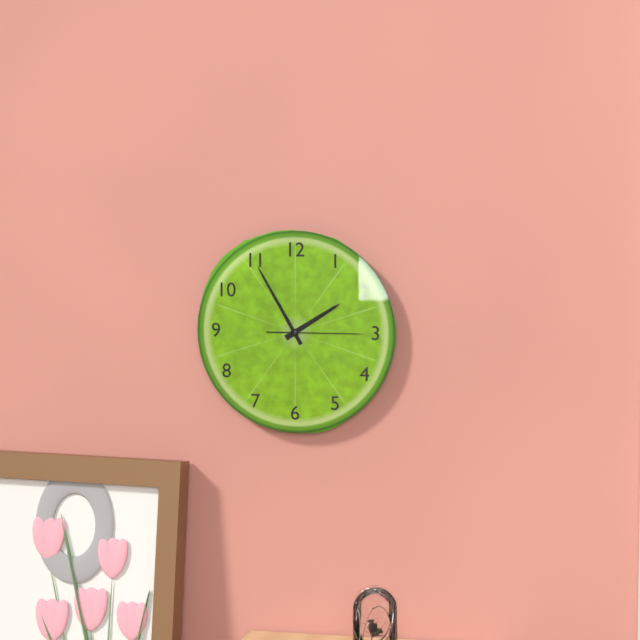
{"hour": 1, "minute": 55, "second": 15}
